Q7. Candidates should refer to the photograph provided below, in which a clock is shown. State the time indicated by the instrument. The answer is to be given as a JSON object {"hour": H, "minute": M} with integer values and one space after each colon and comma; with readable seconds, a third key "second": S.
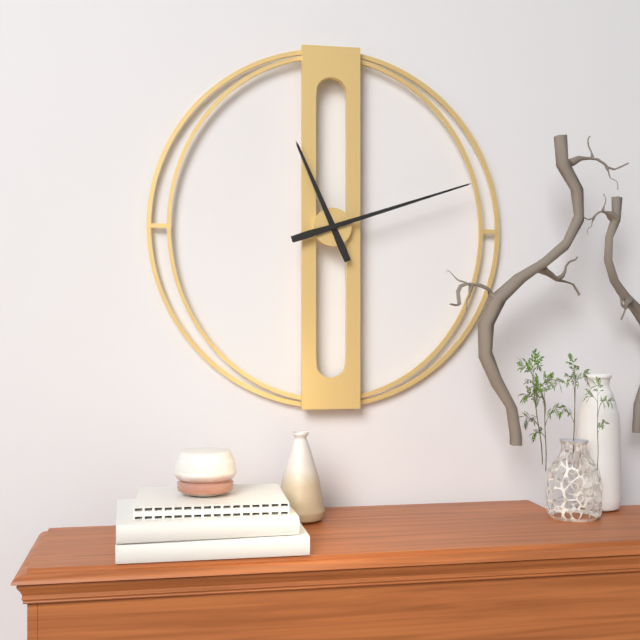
{"hour": 11, "minute": 12}
